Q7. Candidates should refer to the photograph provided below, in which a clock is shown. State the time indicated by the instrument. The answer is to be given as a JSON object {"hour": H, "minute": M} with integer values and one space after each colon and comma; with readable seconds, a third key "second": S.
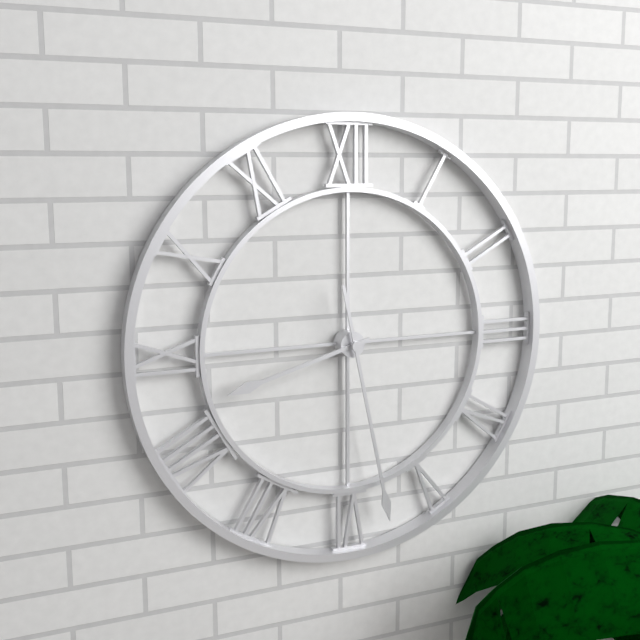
{"hour": 8, "minute": 28}
